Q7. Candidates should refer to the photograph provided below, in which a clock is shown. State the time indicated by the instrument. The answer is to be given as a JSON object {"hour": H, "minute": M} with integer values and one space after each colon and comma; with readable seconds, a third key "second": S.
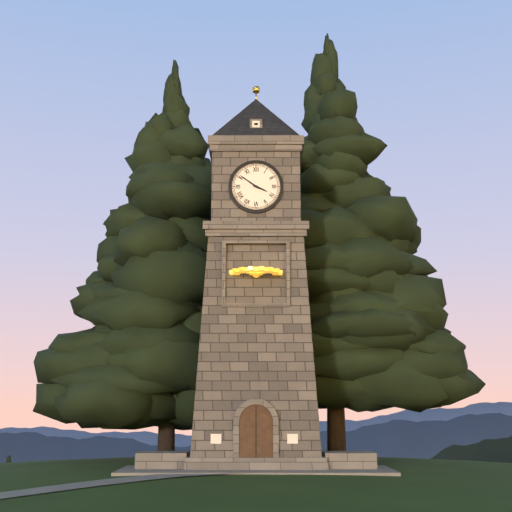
{"hour": 3, "minute": 51}
